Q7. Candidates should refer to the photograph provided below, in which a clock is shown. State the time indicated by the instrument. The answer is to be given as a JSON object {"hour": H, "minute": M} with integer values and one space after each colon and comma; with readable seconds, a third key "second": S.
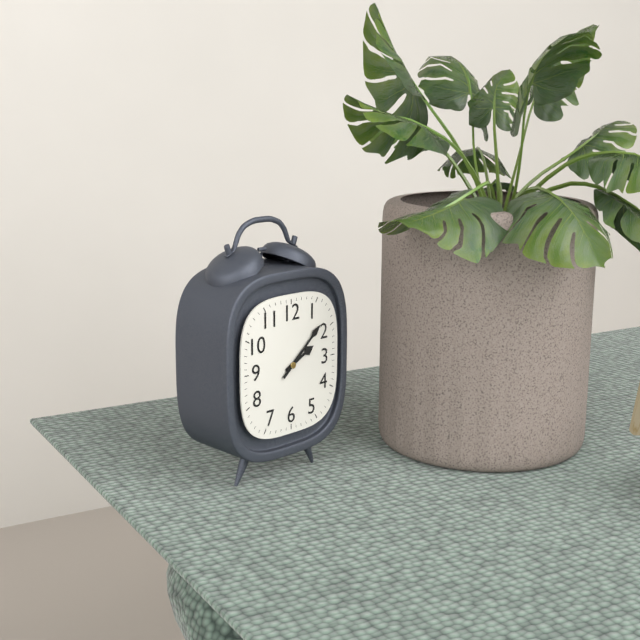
{"hour": 2, "minute": 8}
